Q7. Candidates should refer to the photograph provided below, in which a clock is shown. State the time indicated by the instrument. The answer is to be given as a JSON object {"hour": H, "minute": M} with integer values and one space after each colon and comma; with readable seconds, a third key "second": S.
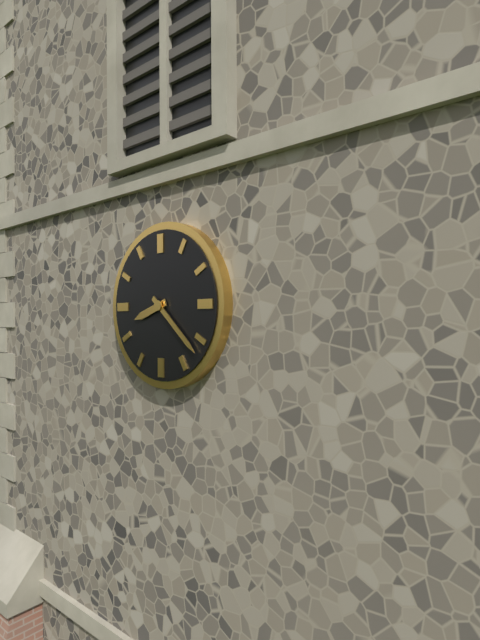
{"hour": 8, "minute": 22}
